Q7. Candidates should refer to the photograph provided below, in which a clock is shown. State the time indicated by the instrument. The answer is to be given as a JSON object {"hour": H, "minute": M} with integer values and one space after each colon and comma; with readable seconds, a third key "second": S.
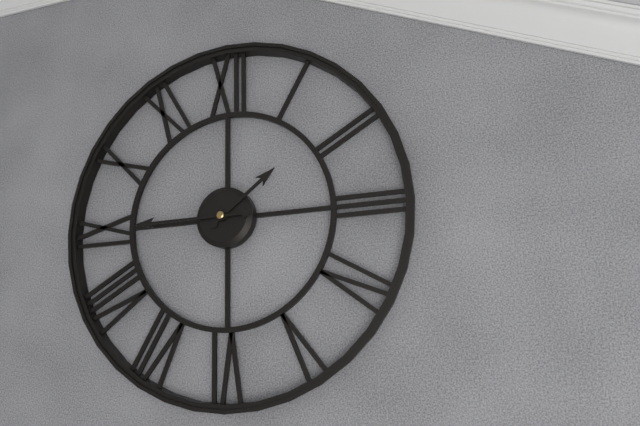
{"hour": 1, "minute": 45}
